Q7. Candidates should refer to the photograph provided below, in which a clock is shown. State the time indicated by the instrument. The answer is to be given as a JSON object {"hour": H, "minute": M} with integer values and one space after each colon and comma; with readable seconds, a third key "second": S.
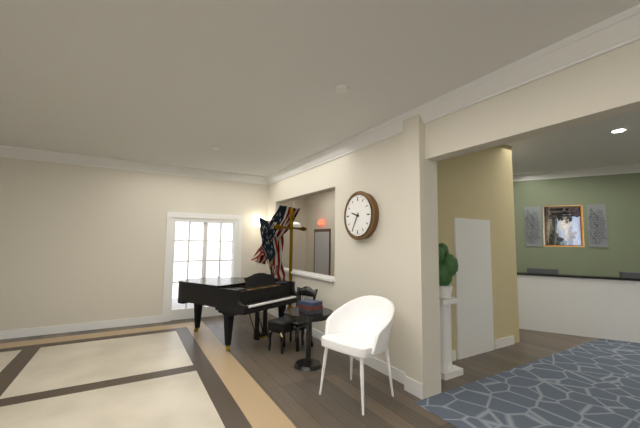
{"hour": 9, "minute": 35}
